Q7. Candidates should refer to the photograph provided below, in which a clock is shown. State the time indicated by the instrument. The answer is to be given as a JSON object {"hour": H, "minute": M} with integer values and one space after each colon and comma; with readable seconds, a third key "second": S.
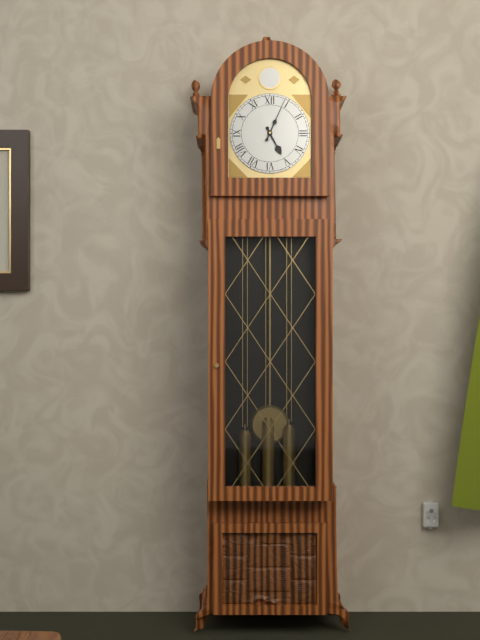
{"hour": 5, "minute": 4}
